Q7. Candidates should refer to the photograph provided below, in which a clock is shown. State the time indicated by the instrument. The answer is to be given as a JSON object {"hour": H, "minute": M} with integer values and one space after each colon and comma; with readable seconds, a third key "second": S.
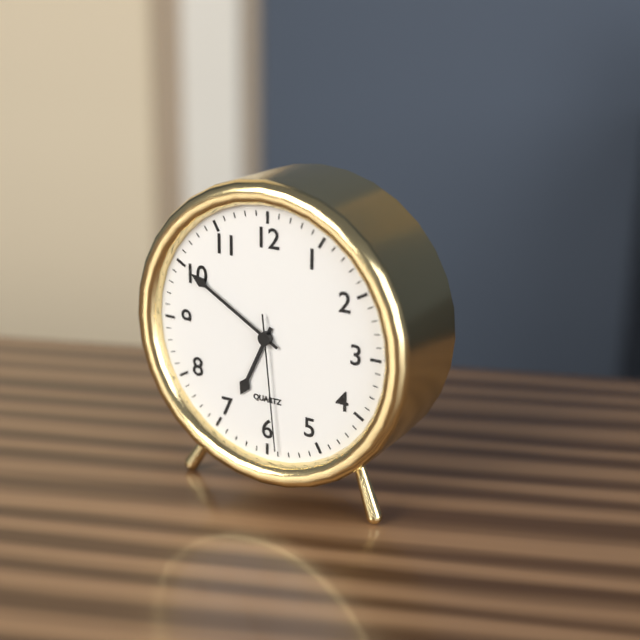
{"hour": 6, "minute": 50, "second": 29}
